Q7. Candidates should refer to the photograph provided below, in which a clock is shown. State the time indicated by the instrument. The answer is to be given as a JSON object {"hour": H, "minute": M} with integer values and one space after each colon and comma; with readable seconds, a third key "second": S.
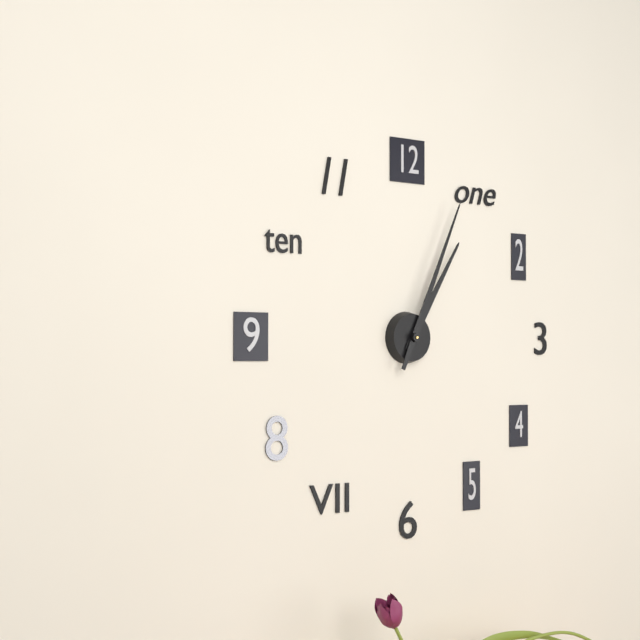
{"hour": 1, "minute": 4}
